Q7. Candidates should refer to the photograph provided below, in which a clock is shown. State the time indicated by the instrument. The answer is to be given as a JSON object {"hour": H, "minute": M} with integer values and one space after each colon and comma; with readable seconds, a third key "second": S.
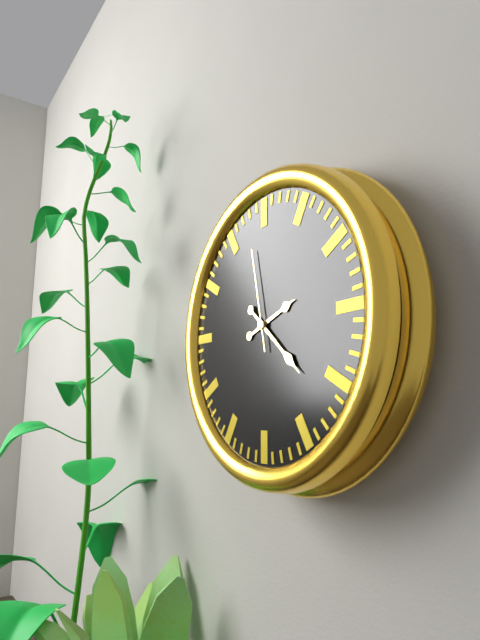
{"hour": 2, "minute": 22, "second": 58}
